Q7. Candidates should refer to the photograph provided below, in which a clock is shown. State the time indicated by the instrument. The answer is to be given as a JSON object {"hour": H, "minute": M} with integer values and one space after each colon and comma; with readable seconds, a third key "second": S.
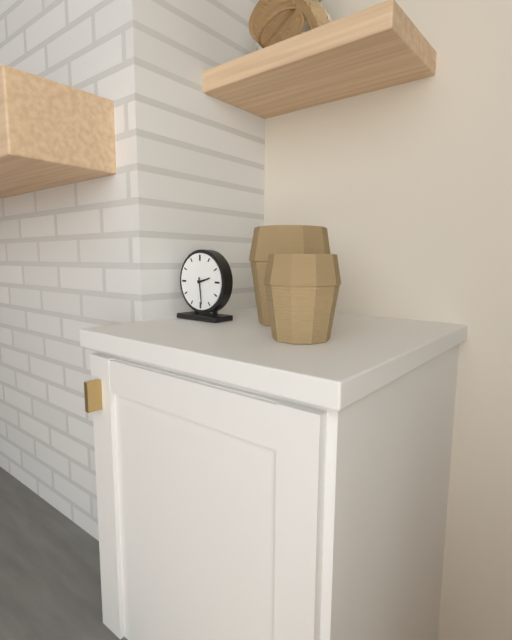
{"hour": 2, "minute": 29}
